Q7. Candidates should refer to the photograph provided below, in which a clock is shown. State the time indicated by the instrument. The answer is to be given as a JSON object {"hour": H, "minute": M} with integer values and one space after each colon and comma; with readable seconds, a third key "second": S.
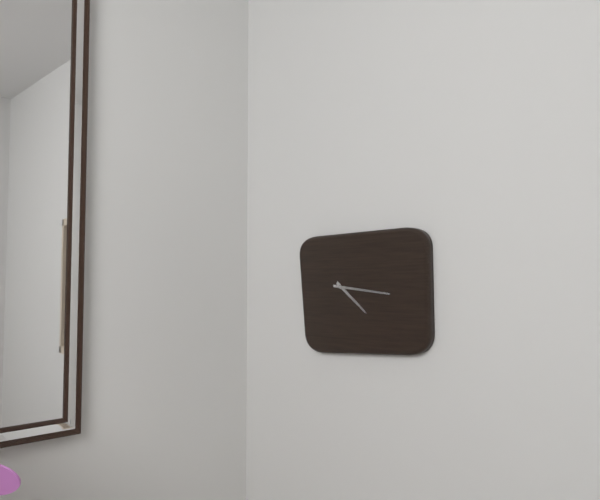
{"hour": 4, "minute": 16}
